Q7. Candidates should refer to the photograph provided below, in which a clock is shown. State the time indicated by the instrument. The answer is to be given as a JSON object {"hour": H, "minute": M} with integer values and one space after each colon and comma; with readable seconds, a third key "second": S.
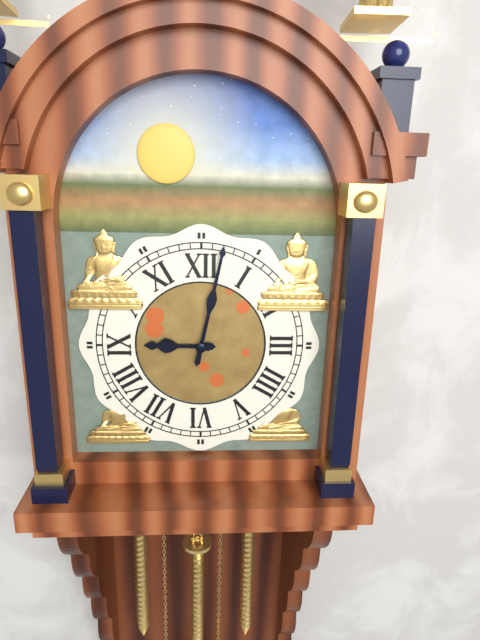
{"hour": 9, "minute": 2}
